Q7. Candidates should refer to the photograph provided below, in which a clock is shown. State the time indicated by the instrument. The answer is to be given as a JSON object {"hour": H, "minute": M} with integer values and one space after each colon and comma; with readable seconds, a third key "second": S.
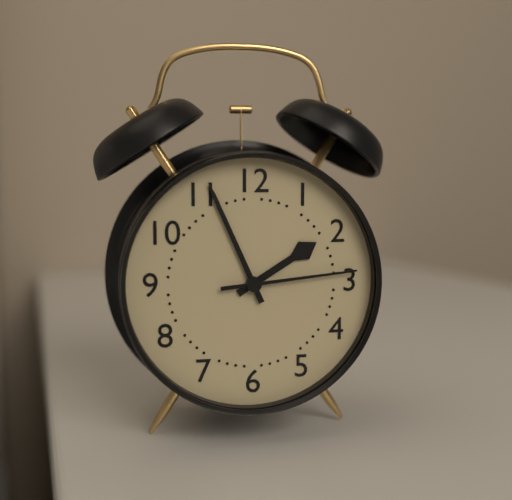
{"hour": 1, "minute": 56, "second": 14}
